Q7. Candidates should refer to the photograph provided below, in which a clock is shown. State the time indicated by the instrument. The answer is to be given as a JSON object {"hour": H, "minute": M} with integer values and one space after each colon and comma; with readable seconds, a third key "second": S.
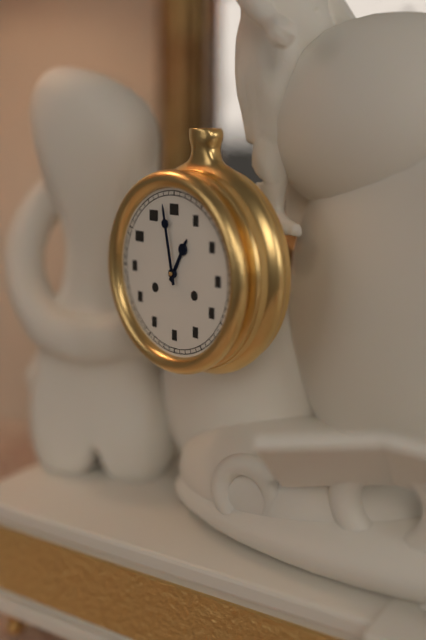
{"hour": 12, "minute": 58}
